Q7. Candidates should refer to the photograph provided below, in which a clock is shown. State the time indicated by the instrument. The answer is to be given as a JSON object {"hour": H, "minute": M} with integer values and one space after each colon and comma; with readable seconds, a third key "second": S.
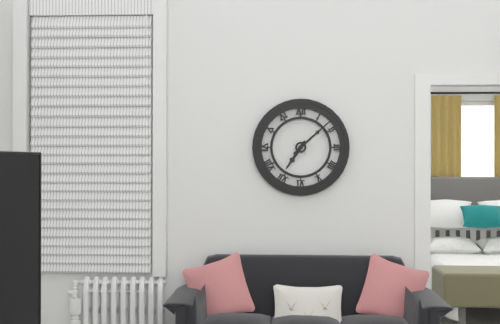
{"hour": 7, "minute": 8}
